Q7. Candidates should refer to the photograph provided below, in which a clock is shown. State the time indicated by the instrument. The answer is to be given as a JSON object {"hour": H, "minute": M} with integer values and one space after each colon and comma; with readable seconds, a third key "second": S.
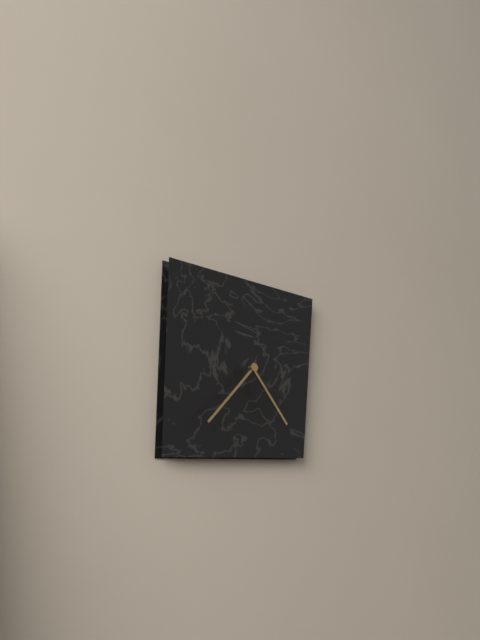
{"hour": 4, "minute": 37}
